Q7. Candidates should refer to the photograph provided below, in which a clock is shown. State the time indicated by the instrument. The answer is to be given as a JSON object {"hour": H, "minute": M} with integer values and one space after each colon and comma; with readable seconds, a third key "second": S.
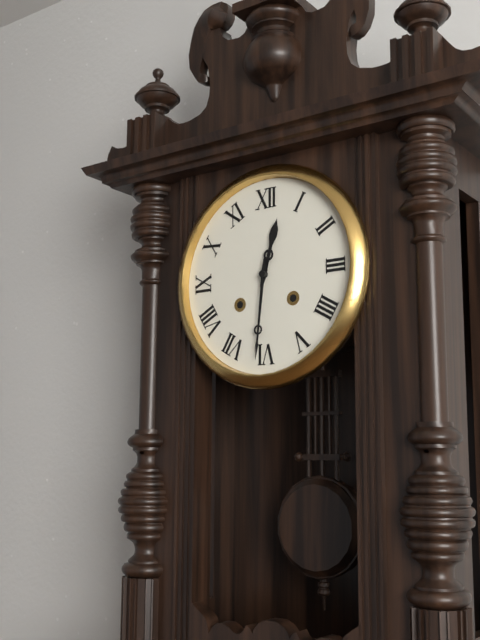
{"hour": 12, "minute": 31}
